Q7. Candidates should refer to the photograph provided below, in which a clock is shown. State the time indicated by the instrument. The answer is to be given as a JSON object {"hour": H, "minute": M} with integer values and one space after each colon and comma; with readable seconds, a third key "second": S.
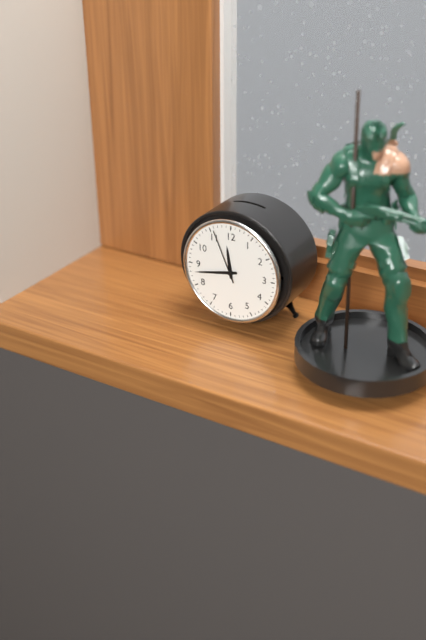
{"hour": 11, "minute": 43, "second": 56}
